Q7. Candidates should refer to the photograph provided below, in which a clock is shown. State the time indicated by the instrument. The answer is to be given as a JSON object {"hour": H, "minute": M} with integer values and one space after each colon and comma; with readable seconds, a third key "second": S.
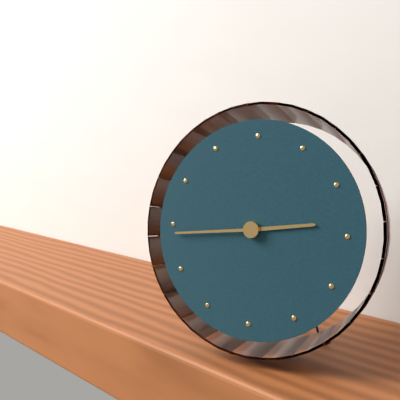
{"hour": 2, "minute": 44}
